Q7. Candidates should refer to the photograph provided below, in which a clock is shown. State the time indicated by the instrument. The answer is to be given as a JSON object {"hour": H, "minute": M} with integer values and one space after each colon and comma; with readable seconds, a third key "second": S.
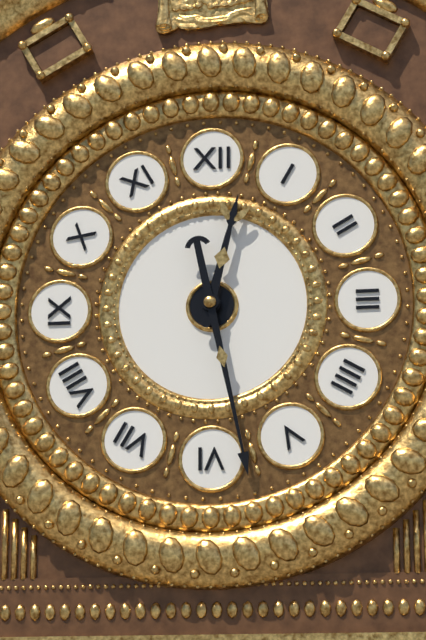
{"hour": 12, "minute": 28}
